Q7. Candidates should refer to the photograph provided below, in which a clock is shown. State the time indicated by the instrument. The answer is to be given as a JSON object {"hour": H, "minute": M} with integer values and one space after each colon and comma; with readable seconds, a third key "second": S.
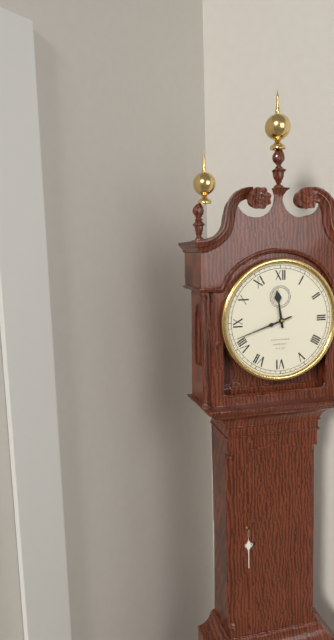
{"hour": 11, "minute": 42}
